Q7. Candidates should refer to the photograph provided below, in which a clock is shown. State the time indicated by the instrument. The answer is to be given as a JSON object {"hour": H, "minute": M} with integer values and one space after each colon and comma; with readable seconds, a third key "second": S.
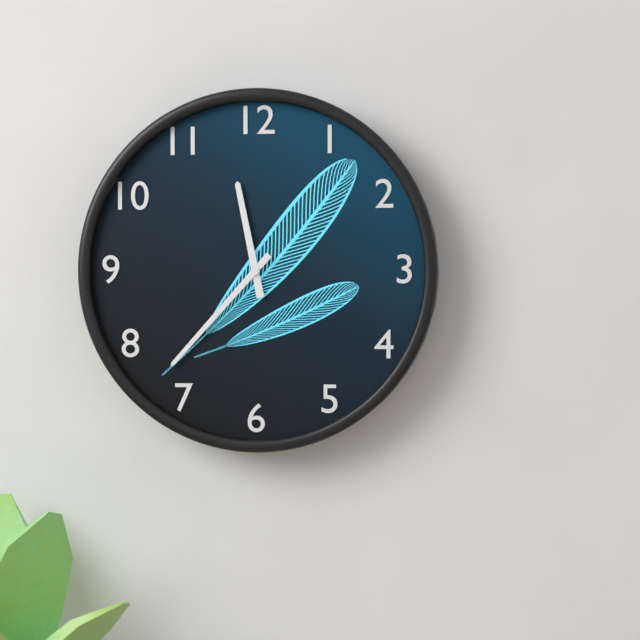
{"hour": 11, "minute": 37}
